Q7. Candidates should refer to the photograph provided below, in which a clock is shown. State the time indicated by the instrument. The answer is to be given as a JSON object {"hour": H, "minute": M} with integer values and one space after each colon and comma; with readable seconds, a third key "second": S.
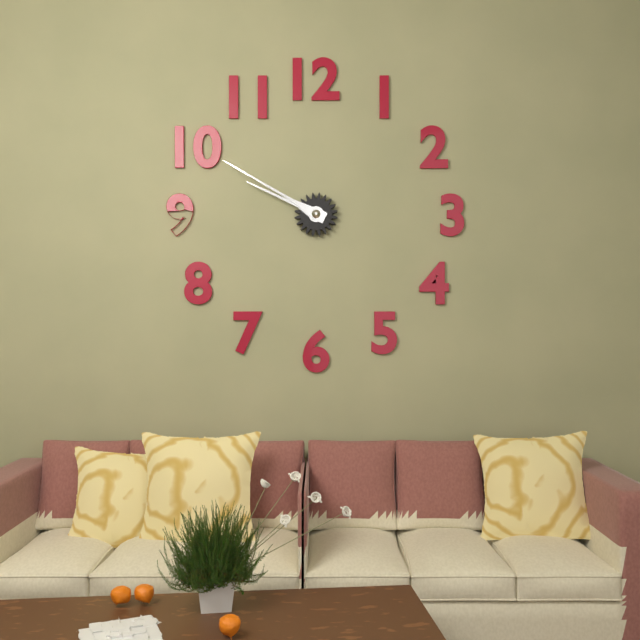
{"hour": 9, "minute": 50}
